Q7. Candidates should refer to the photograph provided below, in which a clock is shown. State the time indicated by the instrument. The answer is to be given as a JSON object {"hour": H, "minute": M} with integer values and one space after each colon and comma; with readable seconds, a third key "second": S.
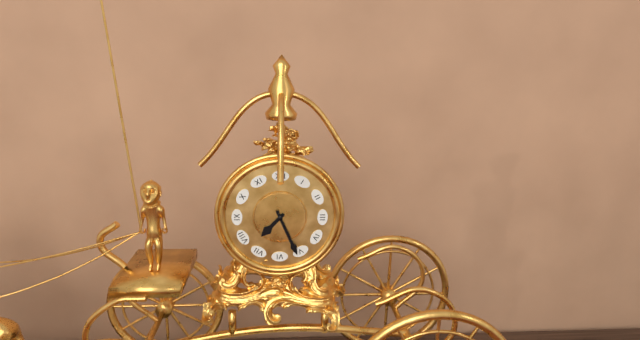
{"hour": 7, "minute": 26}
